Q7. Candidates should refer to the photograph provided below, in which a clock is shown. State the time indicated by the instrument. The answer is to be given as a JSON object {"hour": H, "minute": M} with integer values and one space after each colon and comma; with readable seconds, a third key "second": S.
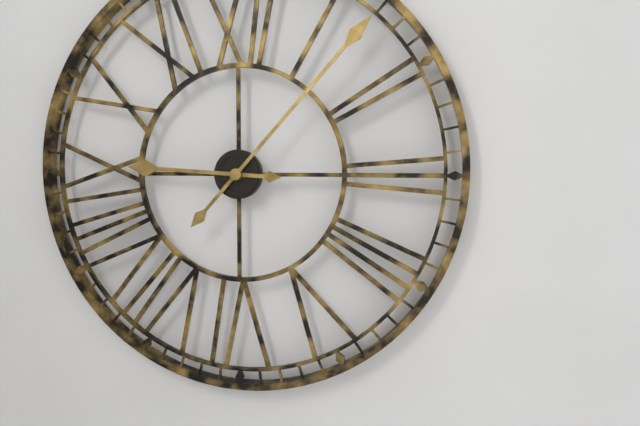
{"hour": 9, "minute": 7}
